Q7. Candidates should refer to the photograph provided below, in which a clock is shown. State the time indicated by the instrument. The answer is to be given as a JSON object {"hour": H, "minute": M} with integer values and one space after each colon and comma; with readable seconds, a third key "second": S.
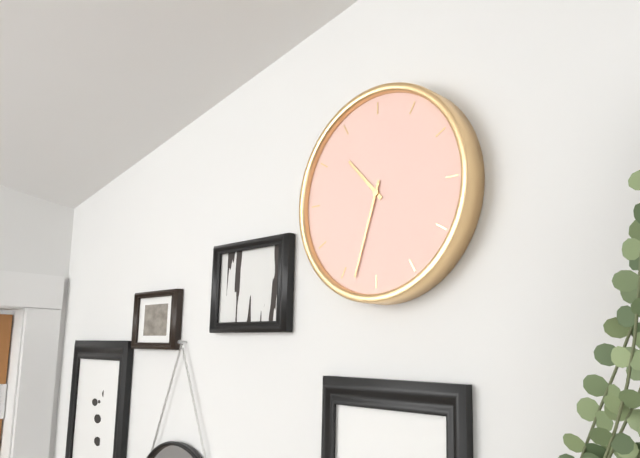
{"hour": 10, "minute": 33}
